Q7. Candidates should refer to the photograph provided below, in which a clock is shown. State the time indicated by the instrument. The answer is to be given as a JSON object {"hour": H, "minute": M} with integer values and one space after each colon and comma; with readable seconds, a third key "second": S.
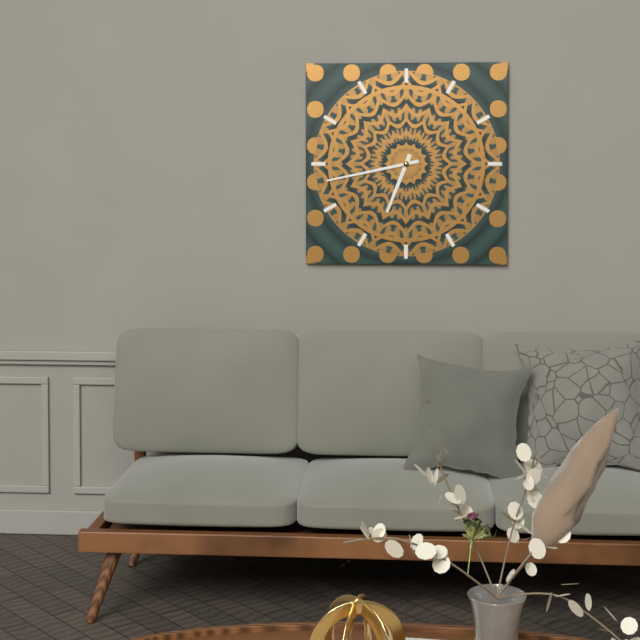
{"hour": 6, "minute": 43}
